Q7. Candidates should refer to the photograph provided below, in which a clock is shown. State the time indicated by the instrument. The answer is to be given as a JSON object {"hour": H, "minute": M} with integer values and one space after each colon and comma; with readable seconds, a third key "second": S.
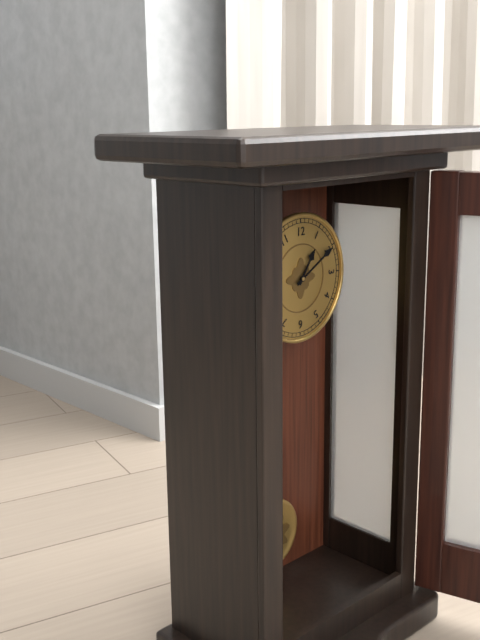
{"hour": 1, "minute": 10}
